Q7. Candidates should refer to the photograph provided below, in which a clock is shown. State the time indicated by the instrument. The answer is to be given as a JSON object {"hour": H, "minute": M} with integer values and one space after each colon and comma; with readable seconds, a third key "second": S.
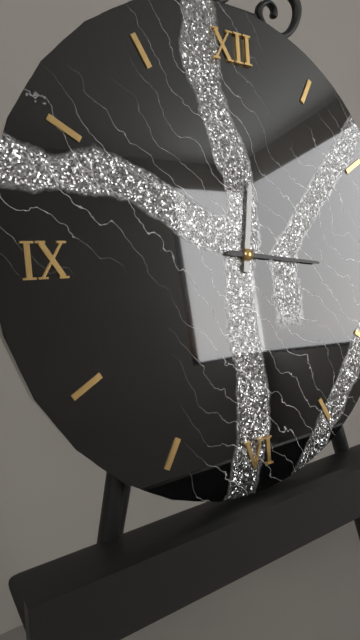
{"hour": 12, "minute": 16}
